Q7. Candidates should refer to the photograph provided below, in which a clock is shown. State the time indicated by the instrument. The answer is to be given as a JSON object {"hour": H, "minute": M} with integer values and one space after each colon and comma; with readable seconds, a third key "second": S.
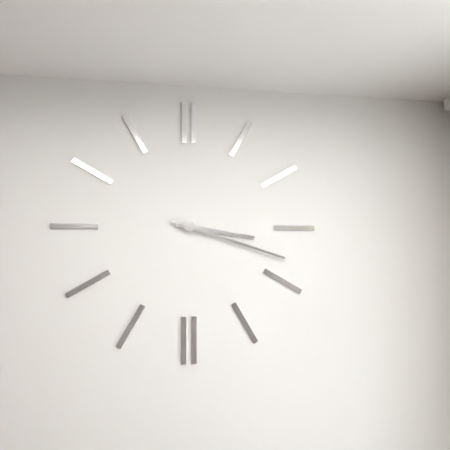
{"hour": 3, "minute": 18}
